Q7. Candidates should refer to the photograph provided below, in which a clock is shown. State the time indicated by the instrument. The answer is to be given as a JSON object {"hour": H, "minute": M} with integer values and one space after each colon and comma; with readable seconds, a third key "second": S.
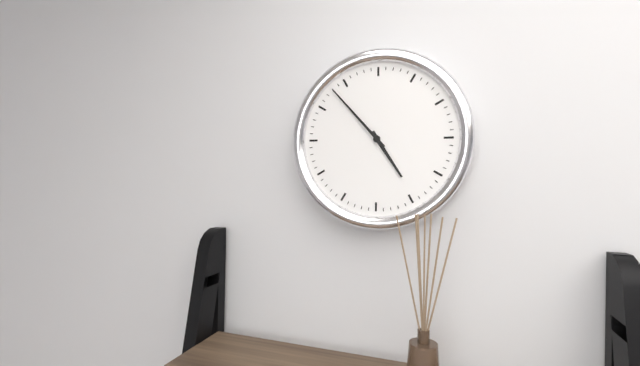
{"hour": 4, "minute": 53}
